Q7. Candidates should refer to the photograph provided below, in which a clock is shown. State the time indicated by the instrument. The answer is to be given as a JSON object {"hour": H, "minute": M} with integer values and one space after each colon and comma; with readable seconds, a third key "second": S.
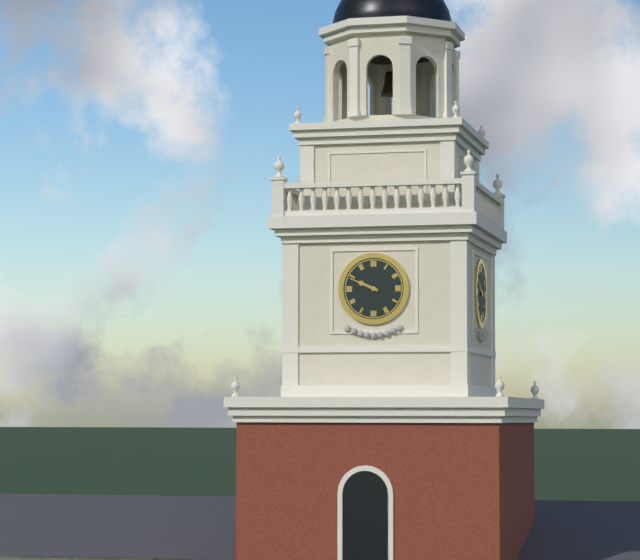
{"hour": 9, "minute": 49}
